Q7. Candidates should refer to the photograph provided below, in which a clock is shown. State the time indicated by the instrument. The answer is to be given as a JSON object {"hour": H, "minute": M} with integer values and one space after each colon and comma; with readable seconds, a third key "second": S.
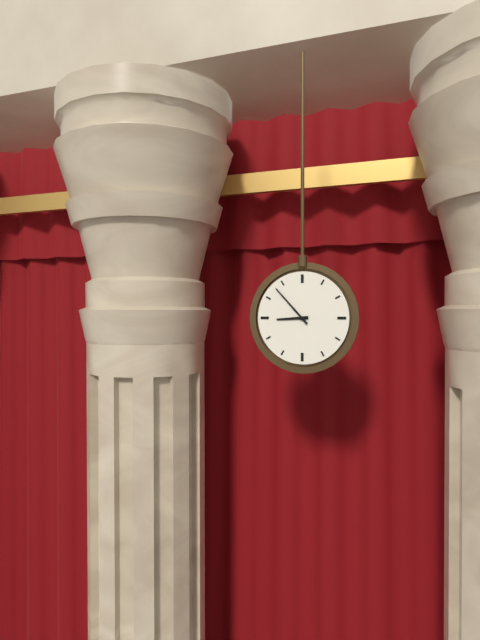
{"hour": 8, "minute": 53}
